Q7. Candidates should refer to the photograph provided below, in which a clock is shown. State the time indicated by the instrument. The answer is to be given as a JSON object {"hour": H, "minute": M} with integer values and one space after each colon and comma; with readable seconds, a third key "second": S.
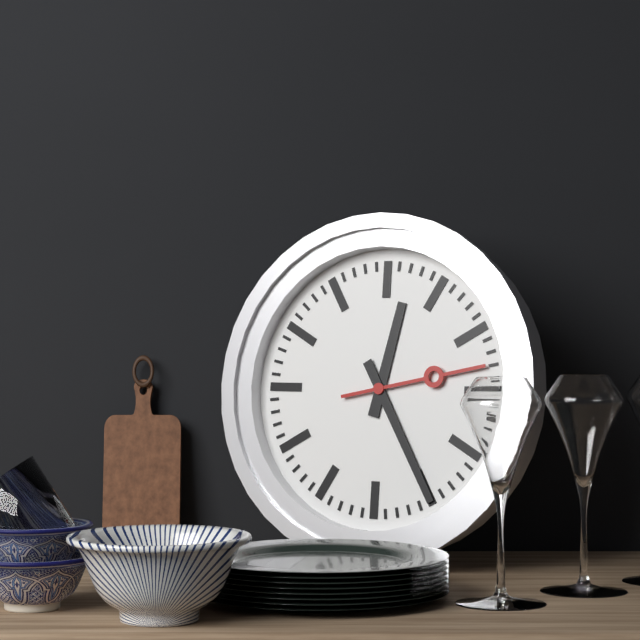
{"hour": 12, "minute": 25, "second": 13}
